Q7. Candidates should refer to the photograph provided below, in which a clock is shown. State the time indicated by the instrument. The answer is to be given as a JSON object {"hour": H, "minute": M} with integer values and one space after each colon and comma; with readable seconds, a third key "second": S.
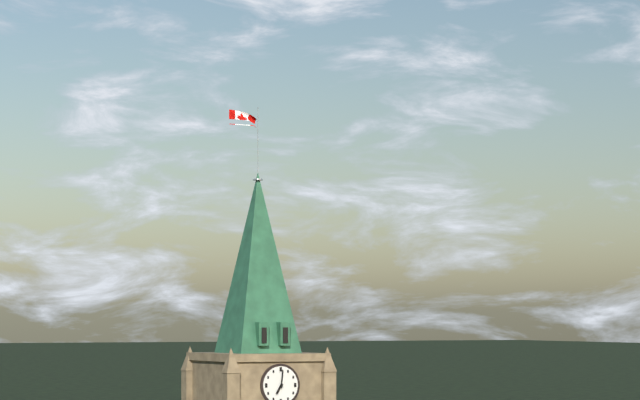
{"hour": 7, "minute": 1}
